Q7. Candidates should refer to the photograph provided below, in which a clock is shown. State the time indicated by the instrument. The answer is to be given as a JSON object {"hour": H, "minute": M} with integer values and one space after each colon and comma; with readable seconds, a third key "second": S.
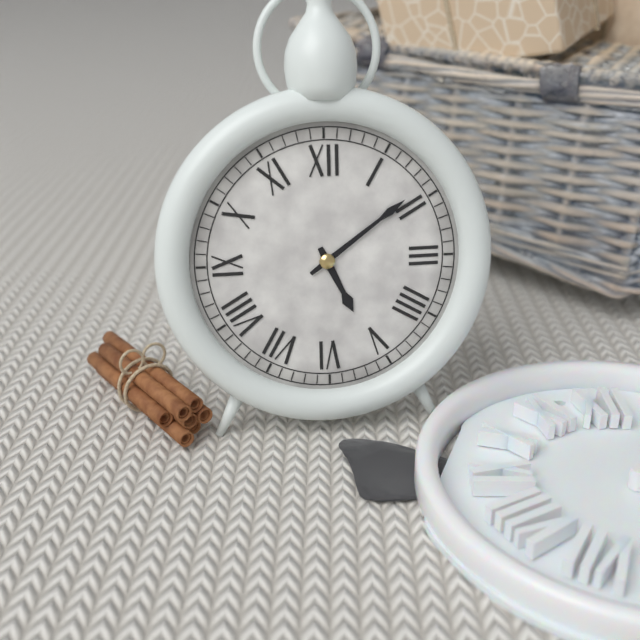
{"hour": 5, "minute": 9}
